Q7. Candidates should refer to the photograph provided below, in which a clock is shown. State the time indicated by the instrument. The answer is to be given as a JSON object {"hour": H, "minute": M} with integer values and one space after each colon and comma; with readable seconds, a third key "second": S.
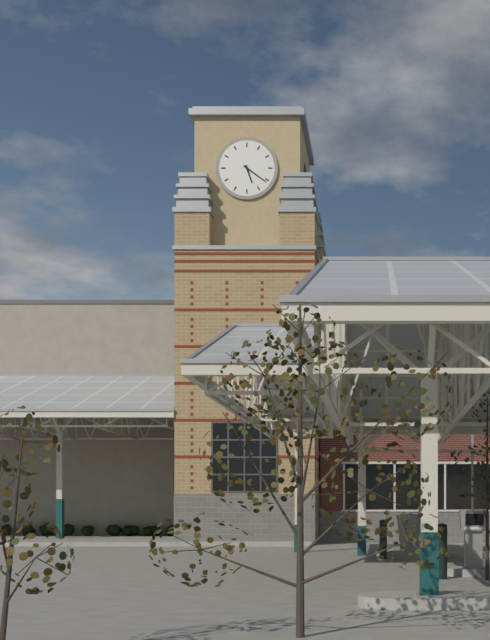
{"hour": 5, "minute": 21}
